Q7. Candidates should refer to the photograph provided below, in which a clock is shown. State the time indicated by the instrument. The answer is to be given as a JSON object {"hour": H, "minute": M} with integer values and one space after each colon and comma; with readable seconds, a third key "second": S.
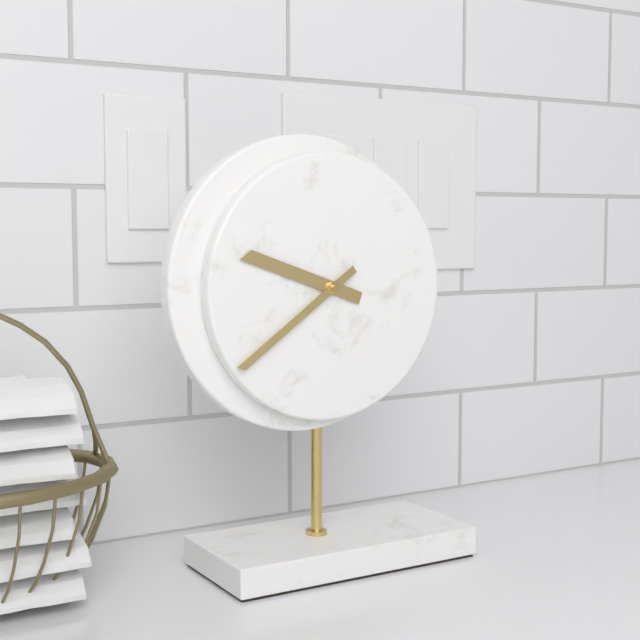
{"hour": 9, "minute": 39}
